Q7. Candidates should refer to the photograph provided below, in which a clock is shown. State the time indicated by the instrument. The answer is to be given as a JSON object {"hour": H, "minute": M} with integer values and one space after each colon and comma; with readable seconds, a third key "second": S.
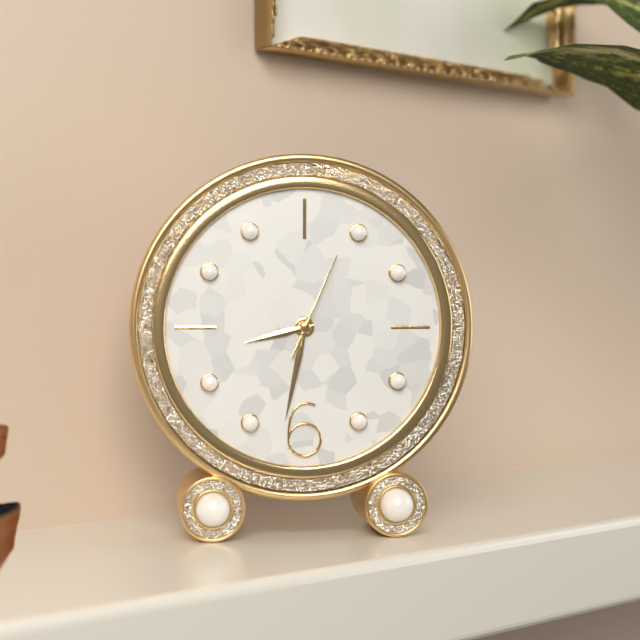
{"hour": 8, "minute": 32, "second": 4}
